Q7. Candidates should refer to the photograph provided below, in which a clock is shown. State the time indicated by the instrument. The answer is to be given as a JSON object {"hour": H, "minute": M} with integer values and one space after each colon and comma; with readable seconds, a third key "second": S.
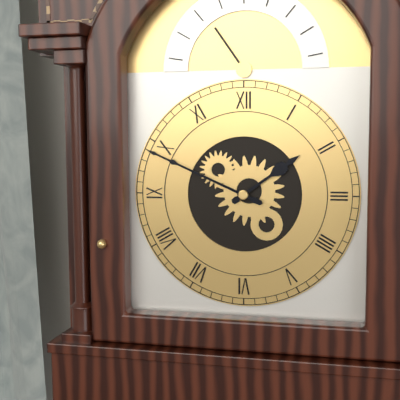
{"hour": 1, "minute": 49}
